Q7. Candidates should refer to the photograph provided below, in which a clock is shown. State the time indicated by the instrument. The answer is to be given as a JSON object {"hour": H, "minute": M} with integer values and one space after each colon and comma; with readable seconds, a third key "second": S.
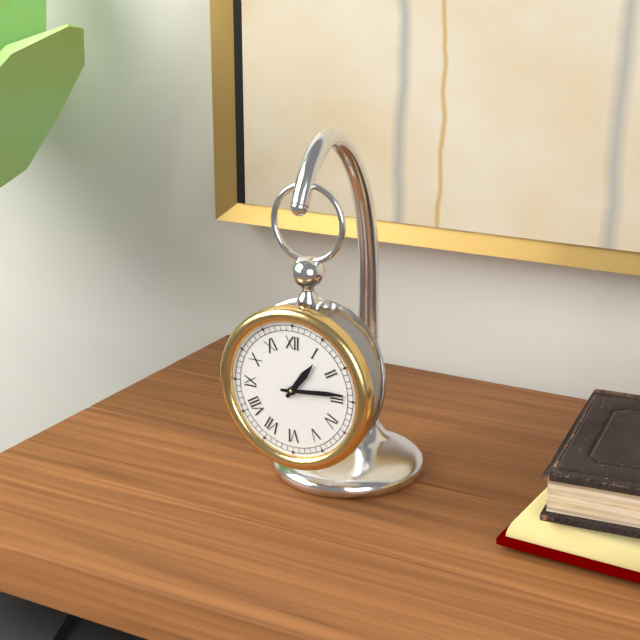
{"hour": 1, "minute": 14}
